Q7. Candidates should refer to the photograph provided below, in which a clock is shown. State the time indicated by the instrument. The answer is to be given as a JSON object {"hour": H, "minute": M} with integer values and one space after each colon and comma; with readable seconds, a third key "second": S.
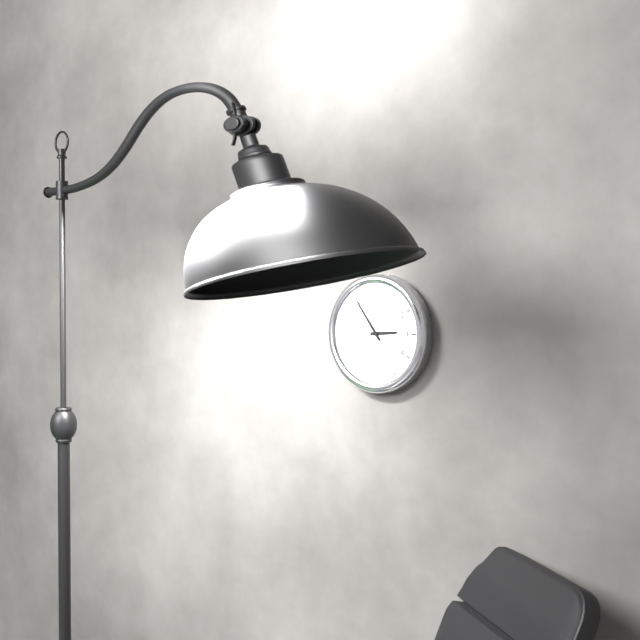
{"hour": 2, "minute": 54}
